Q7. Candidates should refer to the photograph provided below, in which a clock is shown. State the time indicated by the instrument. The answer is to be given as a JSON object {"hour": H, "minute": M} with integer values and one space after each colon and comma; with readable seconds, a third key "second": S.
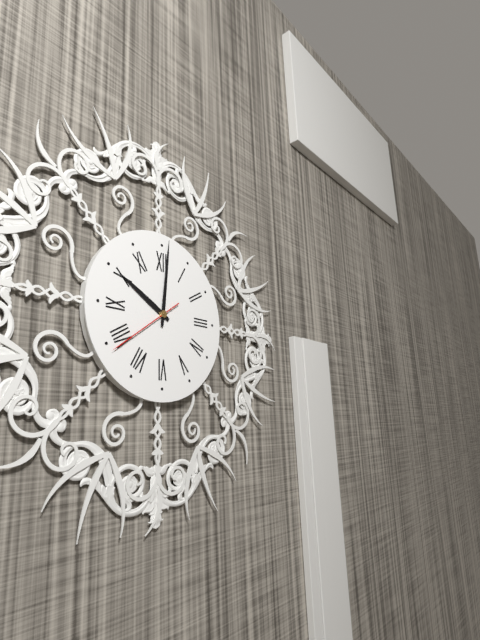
{"hour": 10, "minute": 1, "second": 39}
